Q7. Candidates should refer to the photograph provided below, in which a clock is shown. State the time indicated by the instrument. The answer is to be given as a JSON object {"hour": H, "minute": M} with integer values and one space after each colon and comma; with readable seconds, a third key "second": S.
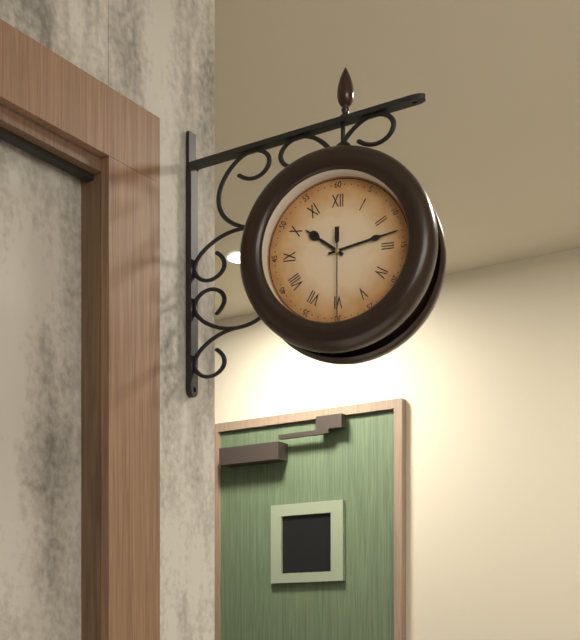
{"hour": 10, "minute": 13, "second": 30}
